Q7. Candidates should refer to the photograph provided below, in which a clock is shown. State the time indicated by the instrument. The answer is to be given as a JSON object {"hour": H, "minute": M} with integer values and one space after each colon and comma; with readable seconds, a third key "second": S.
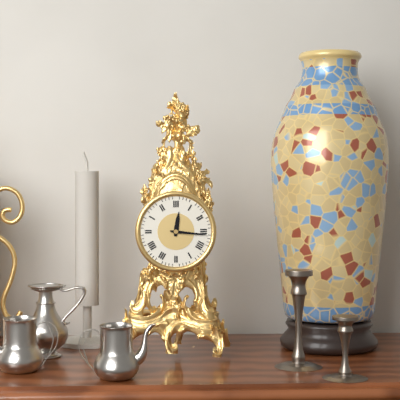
{"hour": 12, "minute": 16}
